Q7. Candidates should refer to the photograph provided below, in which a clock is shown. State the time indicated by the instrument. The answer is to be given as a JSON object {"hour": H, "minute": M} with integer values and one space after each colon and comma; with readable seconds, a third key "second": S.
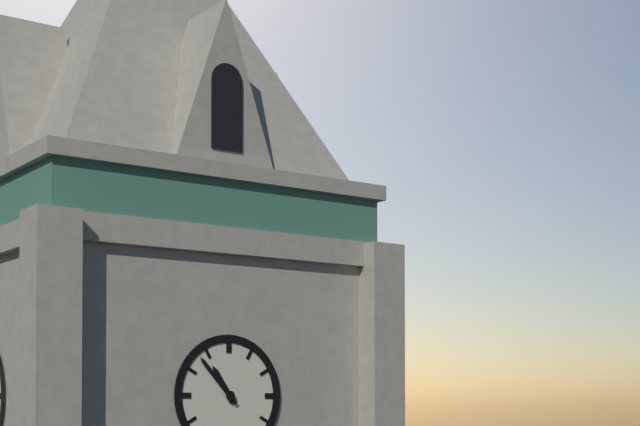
{"hour": 10, "minute": 53}
